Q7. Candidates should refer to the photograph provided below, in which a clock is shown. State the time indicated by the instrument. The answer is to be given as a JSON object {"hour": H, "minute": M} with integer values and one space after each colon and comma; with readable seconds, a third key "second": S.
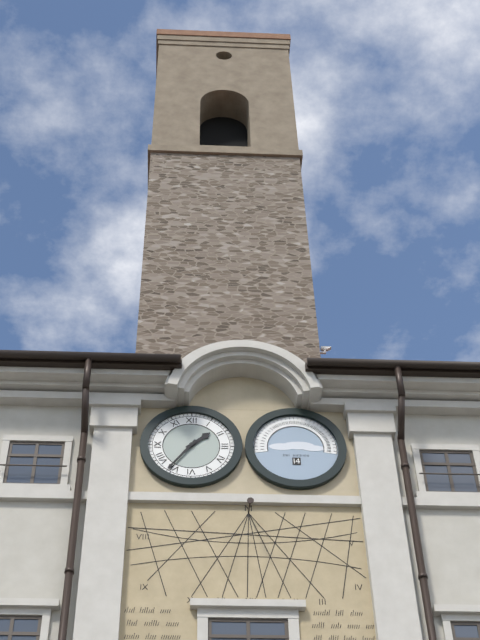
{"hour": 1, "minute": 36}
